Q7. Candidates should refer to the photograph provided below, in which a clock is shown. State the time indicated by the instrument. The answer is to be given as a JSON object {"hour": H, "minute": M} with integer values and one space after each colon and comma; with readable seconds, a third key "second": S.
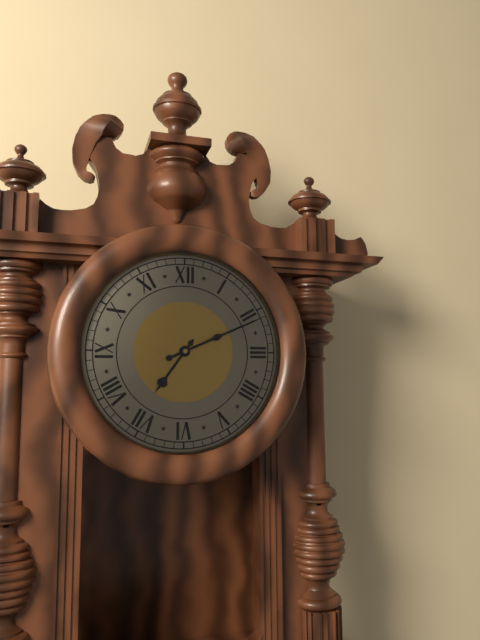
{"hour": 7, "minute": 11}
